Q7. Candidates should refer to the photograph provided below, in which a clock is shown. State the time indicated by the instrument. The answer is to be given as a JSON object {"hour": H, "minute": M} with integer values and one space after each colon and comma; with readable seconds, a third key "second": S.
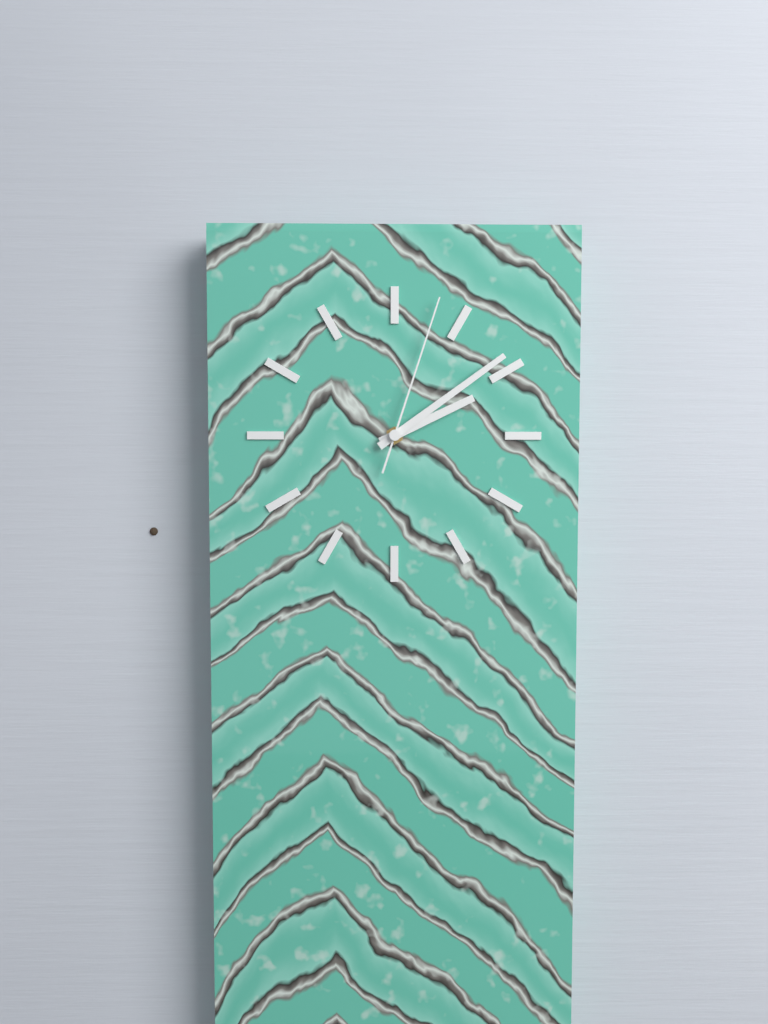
{"hour": 2, "minute": 9, "second": 3}
